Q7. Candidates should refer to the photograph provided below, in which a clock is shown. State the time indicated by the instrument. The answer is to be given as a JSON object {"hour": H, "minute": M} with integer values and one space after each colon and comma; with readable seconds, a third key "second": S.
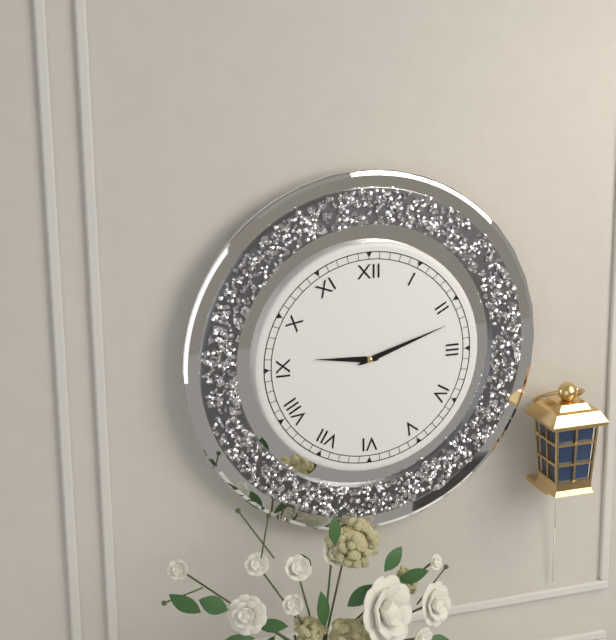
{"hour": 9, "minute": 12}
